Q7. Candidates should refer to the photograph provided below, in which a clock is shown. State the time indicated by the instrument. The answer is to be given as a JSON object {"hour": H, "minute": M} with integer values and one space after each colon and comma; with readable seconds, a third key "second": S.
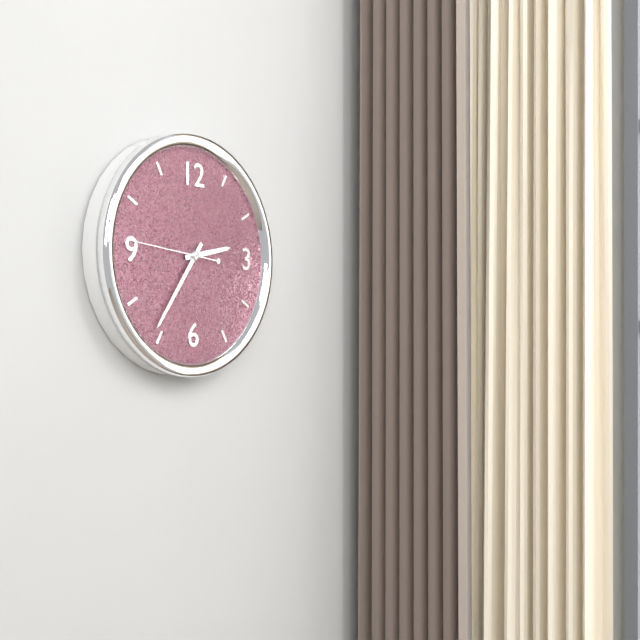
{"hour": 2, "minute": 36, "second": 46}
